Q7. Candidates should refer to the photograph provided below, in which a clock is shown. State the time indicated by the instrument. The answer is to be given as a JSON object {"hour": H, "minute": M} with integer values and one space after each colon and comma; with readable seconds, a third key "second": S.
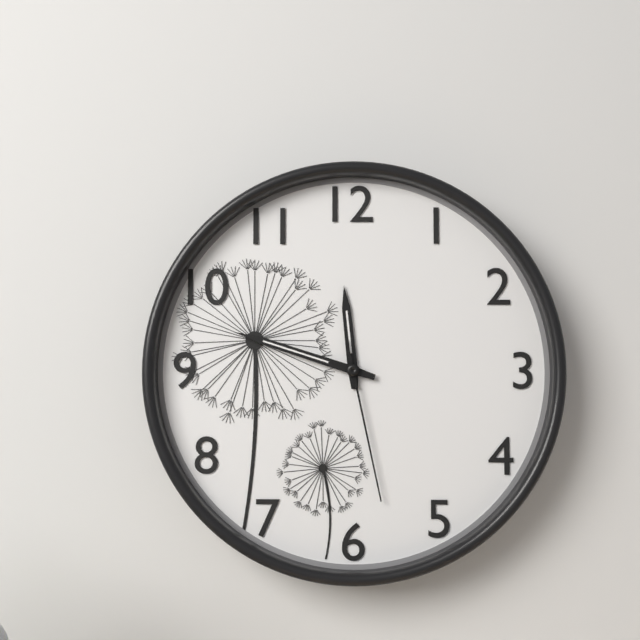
{"hour": 11, "minute": 48, "second": 28}
